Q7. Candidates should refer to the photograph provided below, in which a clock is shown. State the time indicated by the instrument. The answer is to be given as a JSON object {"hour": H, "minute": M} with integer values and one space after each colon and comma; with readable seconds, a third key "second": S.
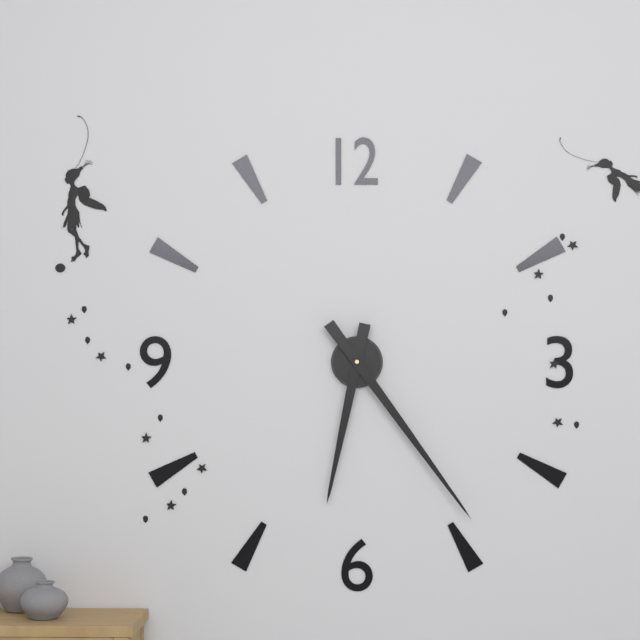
{"hour": 6, "minute": 24}
